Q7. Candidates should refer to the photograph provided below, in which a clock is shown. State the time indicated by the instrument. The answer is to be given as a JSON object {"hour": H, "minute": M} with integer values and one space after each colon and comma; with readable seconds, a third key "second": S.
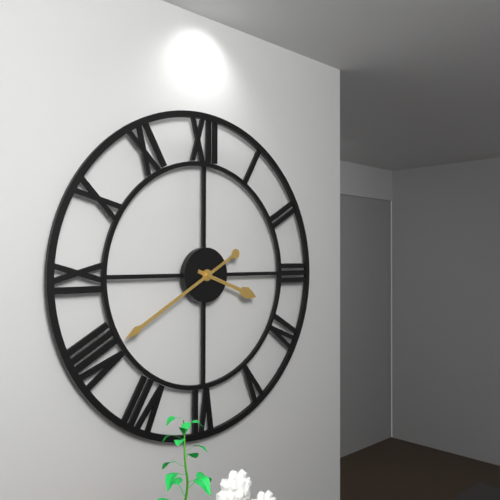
{"hour": 3, "minute": 40}
